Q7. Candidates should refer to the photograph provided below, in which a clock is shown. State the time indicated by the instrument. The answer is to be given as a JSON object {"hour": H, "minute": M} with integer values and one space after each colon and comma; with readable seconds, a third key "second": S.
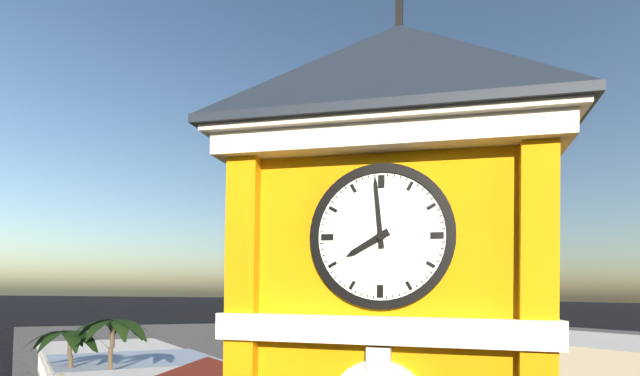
{"hour": 7, "minute": 59}
